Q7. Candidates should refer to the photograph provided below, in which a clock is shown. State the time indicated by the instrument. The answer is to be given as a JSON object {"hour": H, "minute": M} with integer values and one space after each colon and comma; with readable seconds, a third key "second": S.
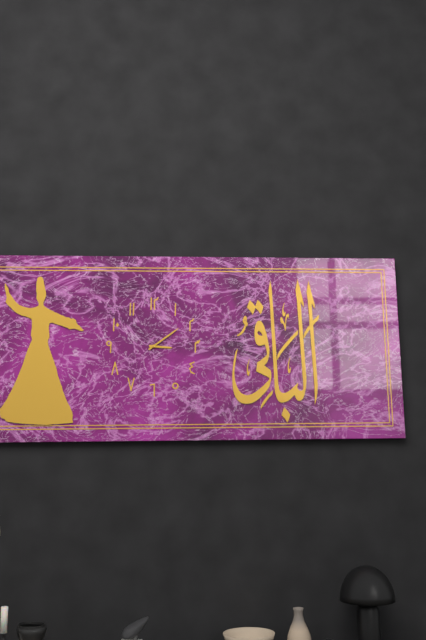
{"hour": 3, "minute": 9}
